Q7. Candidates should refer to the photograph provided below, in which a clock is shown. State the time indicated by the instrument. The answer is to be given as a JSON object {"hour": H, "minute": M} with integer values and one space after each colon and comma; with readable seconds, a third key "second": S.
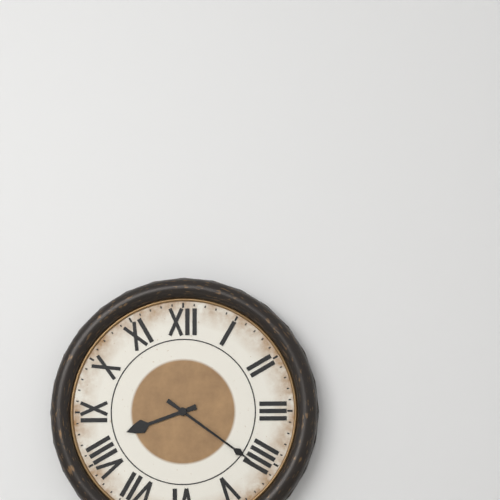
{"hour": 8, "minute": 21}
